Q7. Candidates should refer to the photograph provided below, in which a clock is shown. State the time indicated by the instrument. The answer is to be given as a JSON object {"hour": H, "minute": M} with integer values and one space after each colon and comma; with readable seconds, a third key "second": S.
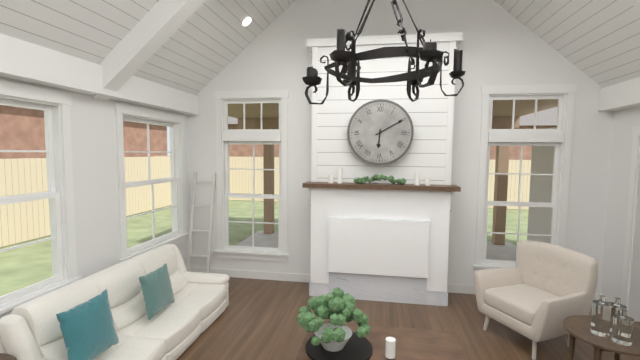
{"hour": 6, "minute": 10}
